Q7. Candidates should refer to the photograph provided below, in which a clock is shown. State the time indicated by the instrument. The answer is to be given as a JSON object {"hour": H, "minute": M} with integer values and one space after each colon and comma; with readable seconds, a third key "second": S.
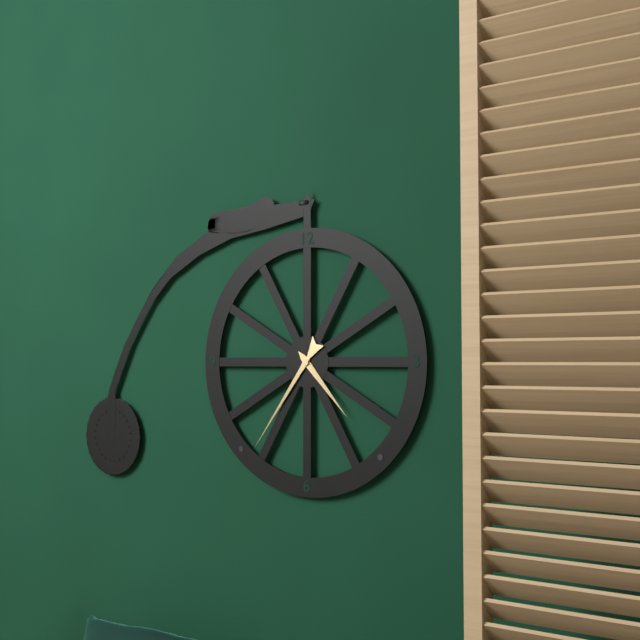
{"hour": 4, "minute": 36}
